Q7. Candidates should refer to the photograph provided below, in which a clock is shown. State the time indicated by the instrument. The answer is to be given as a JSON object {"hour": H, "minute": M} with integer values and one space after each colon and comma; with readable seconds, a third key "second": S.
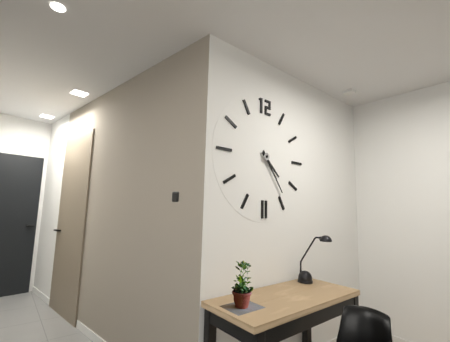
{"hour": 4, "minute": 24}
